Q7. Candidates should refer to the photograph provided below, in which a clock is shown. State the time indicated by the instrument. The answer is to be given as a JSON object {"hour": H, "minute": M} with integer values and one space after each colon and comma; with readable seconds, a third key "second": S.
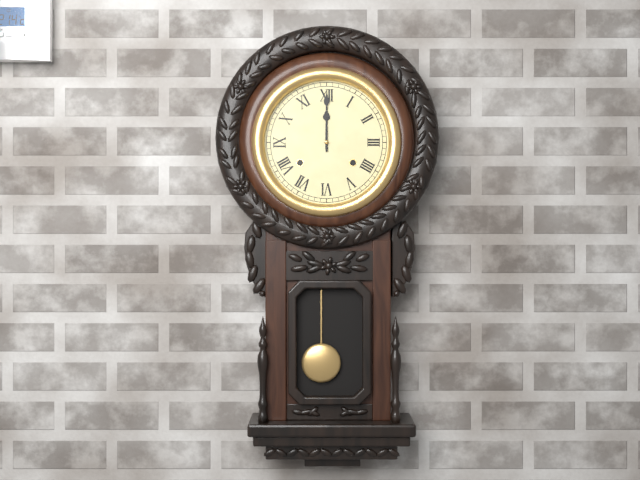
{"hour": 12, "minute": 0}
